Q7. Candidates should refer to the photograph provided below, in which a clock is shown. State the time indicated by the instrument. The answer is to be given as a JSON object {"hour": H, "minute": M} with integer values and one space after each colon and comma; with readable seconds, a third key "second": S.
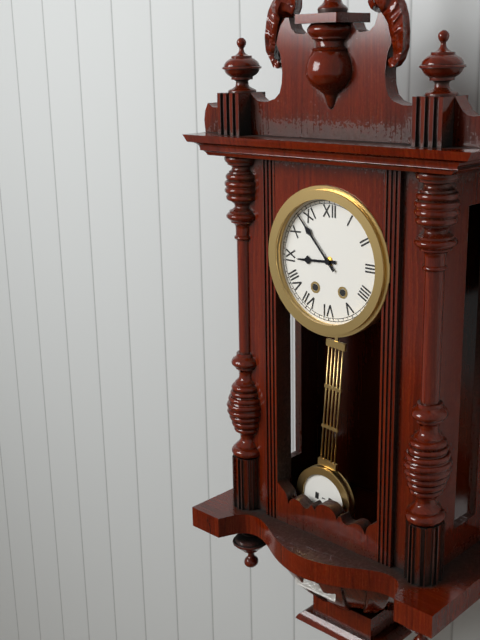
{"hour": 8, "minute": 53}
